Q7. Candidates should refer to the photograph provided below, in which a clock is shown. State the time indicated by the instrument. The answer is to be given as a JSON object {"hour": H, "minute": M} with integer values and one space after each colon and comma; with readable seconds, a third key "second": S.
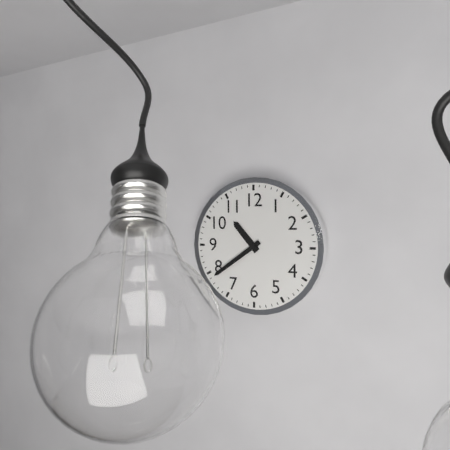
{"hour": 10, "minute": 39}
